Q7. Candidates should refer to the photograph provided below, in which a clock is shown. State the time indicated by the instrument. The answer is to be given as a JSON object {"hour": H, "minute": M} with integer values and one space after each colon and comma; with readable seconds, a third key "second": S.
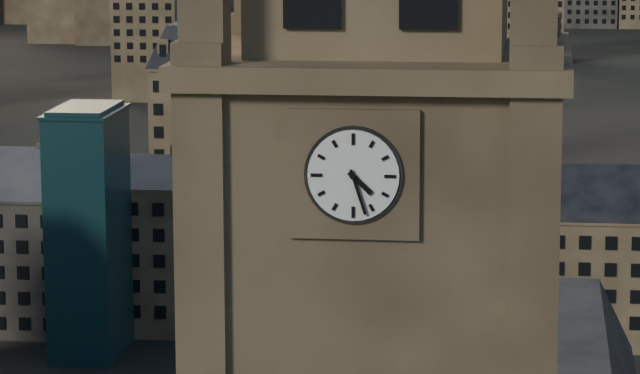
{"hour": 4, "minute": 27}
